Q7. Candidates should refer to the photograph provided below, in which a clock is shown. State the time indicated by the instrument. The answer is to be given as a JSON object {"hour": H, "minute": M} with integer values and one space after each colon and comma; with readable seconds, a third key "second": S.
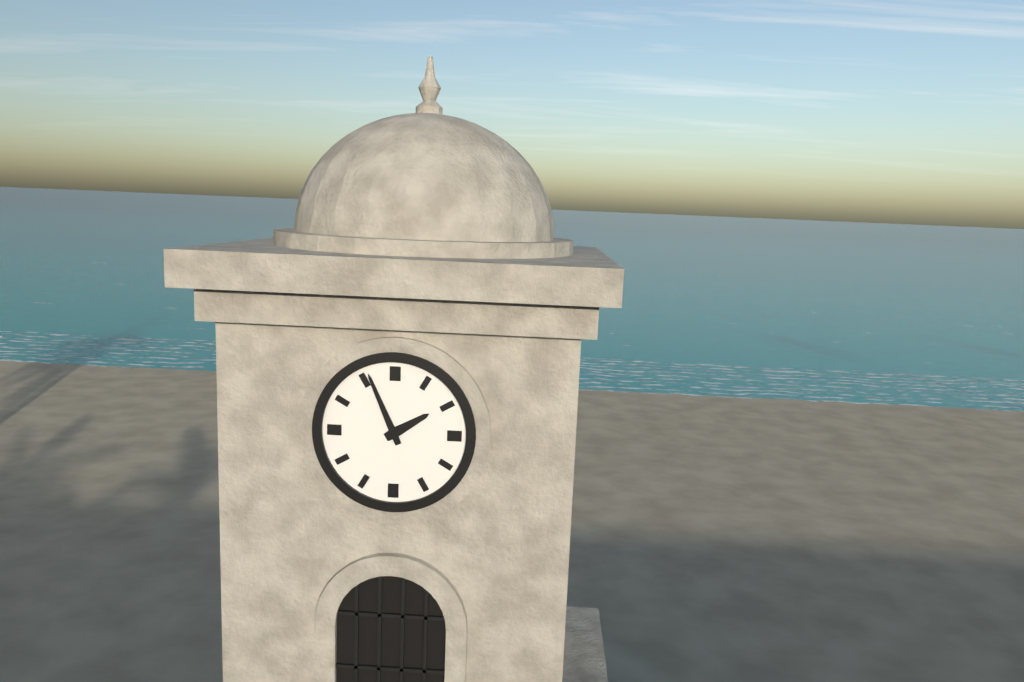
{"hour": 1, "minute": 56}
